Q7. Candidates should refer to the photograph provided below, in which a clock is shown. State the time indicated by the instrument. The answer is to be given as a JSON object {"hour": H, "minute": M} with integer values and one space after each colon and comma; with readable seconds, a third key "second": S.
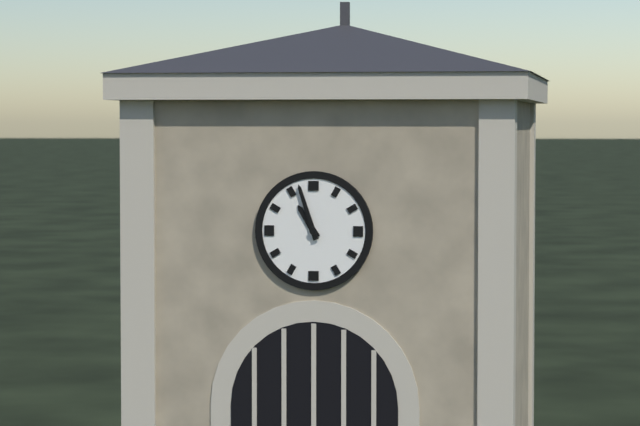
{"hour": 10, "minute": 57}
